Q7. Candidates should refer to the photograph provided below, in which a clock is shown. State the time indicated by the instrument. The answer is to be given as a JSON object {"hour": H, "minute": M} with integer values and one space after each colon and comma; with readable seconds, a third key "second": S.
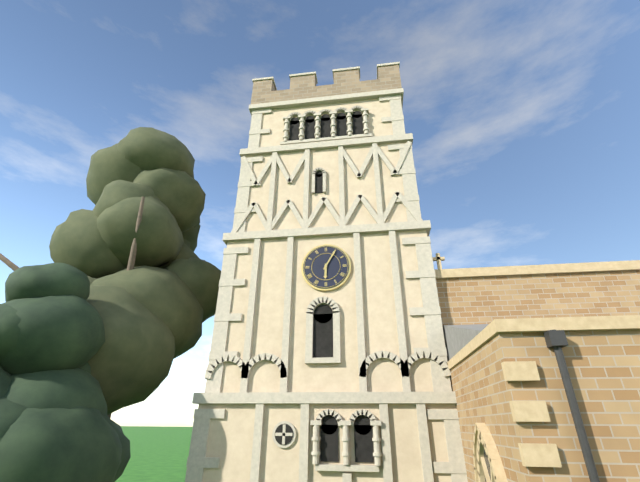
{"hour": 6, "minute": 5}
